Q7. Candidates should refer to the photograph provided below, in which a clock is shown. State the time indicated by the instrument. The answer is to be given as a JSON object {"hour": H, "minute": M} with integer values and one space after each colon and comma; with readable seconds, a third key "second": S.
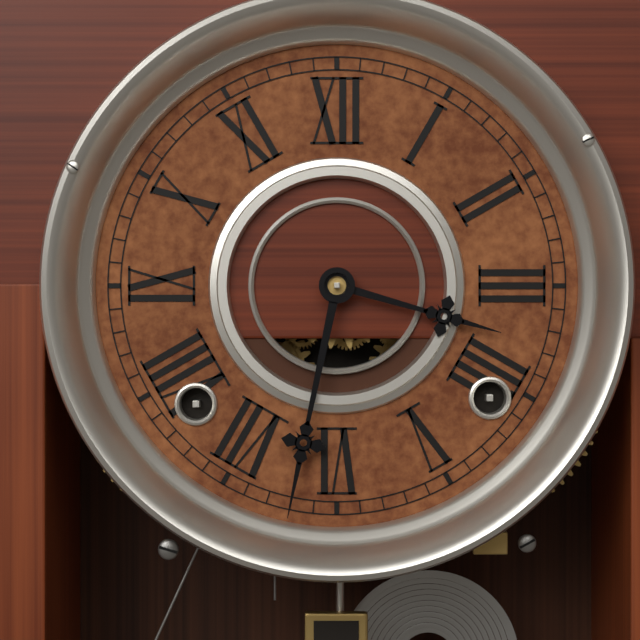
{"hour": 3, "minute": 32}
